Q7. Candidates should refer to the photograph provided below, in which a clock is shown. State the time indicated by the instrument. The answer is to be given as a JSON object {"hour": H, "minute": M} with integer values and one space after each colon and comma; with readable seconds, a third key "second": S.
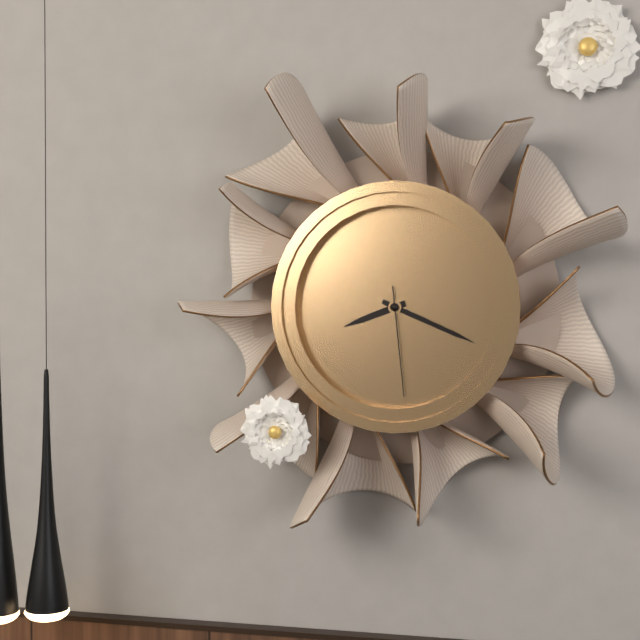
{"hour": 8, "minute": 19, "second": 29}
